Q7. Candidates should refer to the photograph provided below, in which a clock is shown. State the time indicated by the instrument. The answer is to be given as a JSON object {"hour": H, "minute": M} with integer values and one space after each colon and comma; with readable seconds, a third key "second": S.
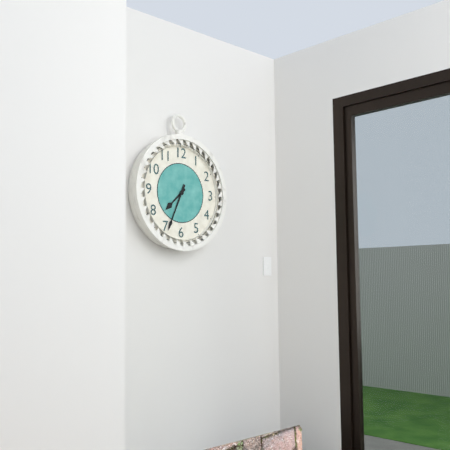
{"hour": 7, "minute": 34}
